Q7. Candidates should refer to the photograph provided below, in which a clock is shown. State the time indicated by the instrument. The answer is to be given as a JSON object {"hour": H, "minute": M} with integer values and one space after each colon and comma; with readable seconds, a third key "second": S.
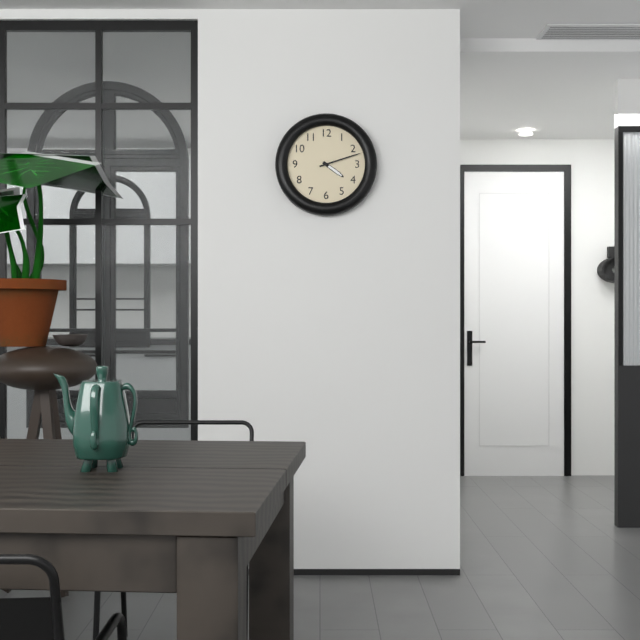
{"hour": 4, "minute": 12}
